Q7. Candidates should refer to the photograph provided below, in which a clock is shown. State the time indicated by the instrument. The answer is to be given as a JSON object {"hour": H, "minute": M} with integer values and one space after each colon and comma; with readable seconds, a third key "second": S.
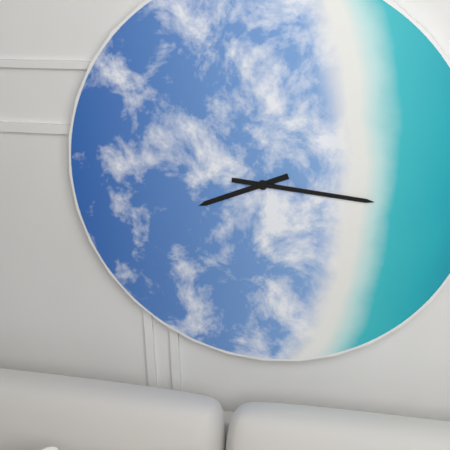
{"hour": 8, "minute": 16}
